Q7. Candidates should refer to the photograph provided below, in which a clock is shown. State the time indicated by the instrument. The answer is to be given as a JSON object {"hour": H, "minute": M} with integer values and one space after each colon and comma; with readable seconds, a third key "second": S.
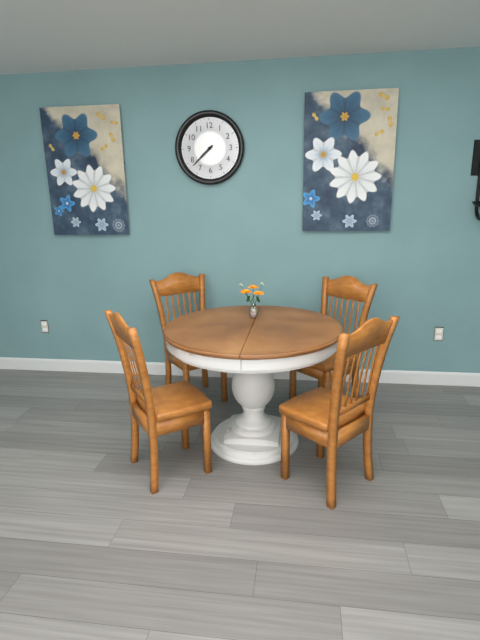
{"hour": 7, "minute": 38}
